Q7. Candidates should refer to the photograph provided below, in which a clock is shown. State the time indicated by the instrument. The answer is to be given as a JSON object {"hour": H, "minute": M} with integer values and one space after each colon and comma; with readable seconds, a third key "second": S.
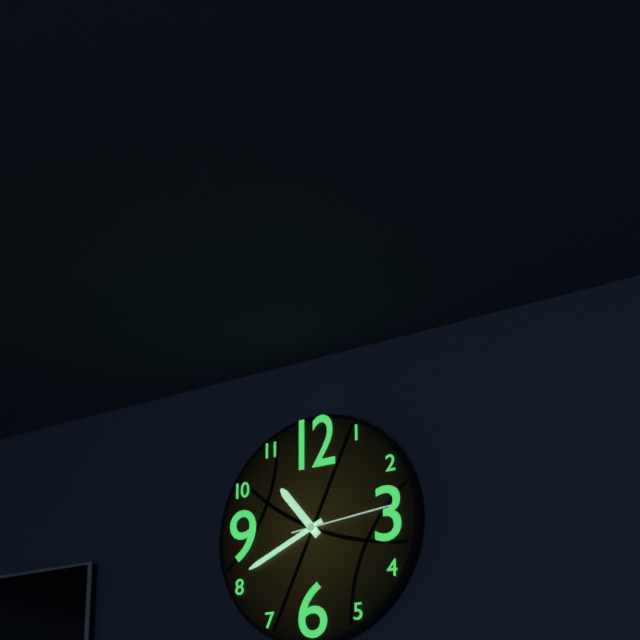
{"hour": 10, "minute": 41, "second": 14}
